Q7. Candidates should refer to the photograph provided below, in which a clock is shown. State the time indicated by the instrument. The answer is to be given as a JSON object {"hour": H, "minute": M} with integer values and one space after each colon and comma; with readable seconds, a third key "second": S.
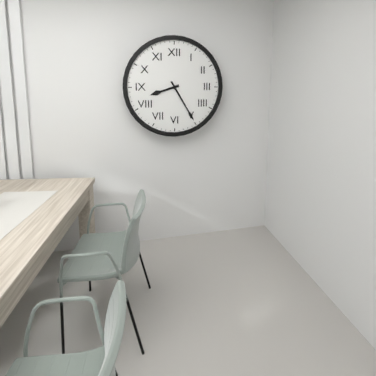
{"hour": 8, "minute": 25}
